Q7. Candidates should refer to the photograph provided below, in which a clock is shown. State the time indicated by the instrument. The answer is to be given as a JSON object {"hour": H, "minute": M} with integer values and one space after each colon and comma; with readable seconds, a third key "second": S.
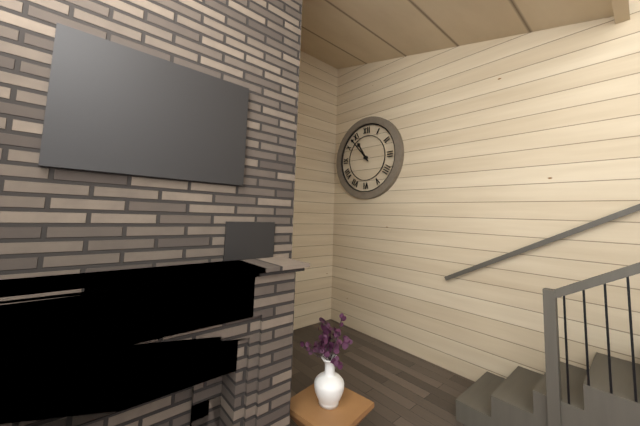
{"hour": 10, "minute": 53}
